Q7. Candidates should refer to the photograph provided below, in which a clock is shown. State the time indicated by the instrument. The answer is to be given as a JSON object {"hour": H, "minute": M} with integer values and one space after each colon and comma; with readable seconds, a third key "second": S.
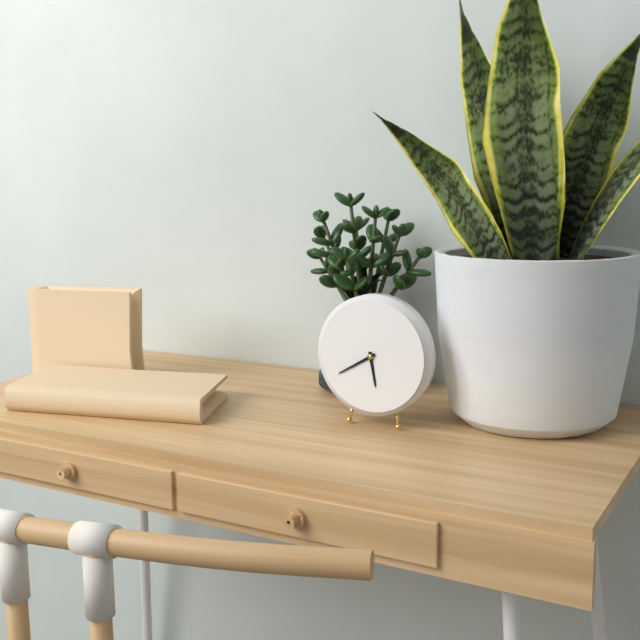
{"hour": 5, "minute": 40}
